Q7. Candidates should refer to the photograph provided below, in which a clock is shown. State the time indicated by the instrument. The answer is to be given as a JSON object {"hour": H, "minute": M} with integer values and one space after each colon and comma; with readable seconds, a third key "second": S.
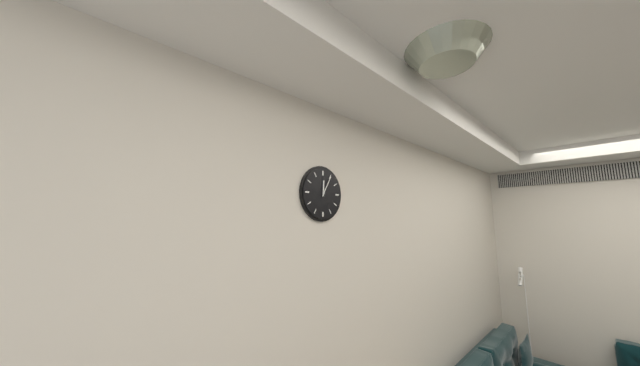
{"hour": 12, "minute": 5}
